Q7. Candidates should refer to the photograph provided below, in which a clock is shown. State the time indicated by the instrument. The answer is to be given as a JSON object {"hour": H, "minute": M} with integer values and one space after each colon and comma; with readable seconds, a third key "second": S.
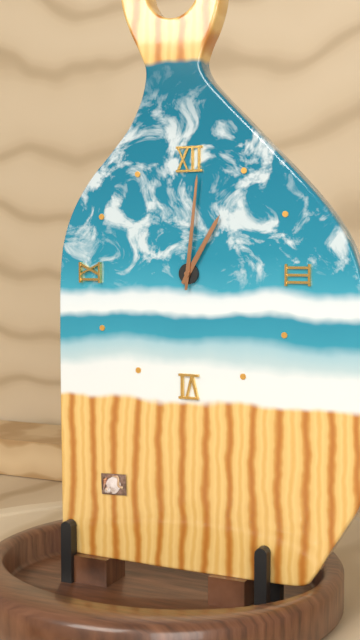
{"hour": 1, "minute": 1}
